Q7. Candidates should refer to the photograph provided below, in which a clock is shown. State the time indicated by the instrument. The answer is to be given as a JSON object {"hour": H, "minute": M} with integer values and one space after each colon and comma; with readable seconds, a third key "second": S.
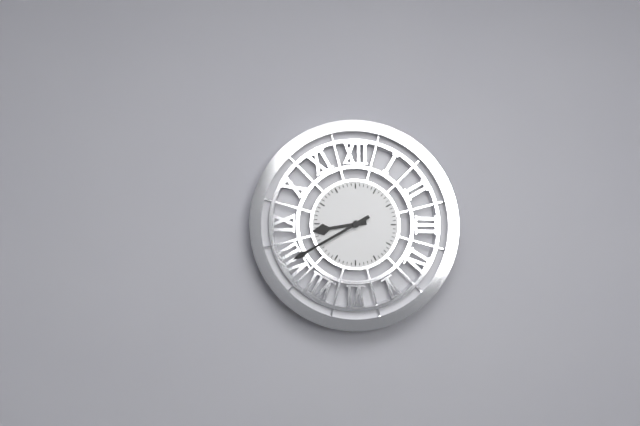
{"hour": 8, "minute": 40}
